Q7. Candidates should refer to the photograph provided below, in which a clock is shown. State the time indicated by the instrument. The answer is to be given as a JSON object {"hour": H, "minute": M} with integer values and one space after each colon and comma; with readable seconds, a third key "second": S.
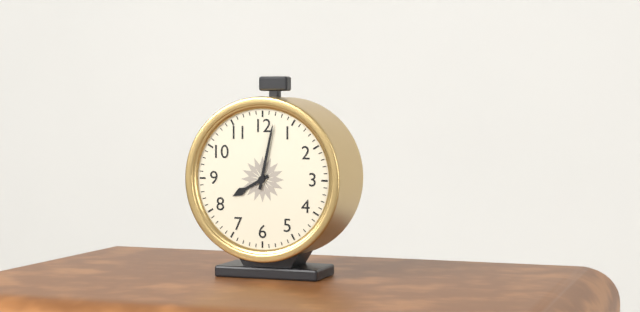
{"hour": 8, "minute": 2}
